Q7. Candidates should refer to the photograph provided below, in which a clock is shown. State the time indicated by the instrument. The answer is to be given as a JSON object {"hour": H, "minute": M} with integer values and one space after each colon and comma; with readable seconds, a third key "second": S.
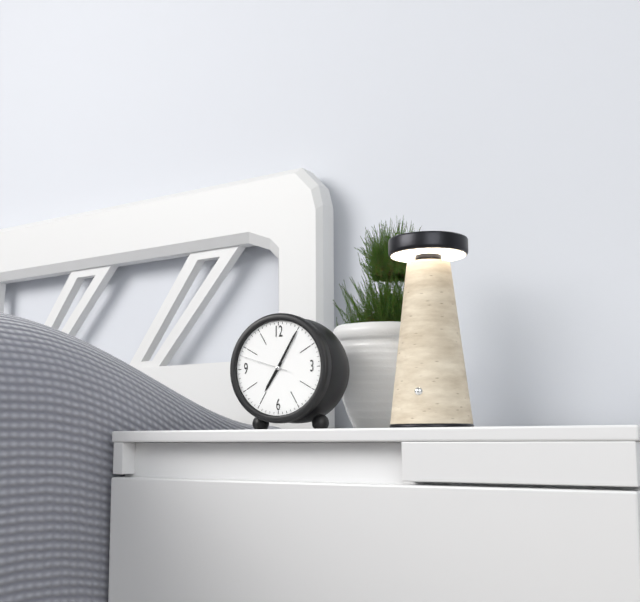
{"hour": 7, "minute": 5}
